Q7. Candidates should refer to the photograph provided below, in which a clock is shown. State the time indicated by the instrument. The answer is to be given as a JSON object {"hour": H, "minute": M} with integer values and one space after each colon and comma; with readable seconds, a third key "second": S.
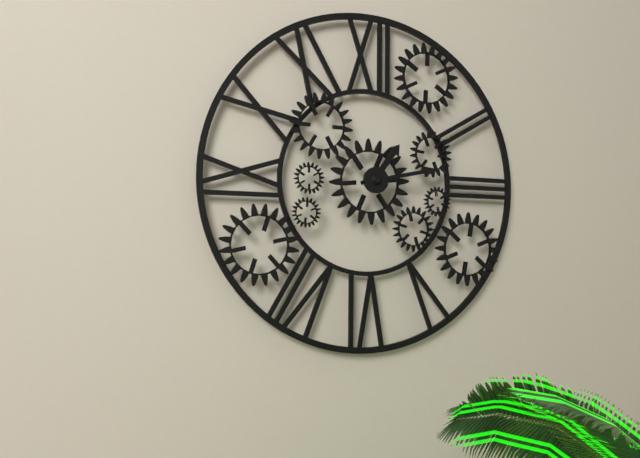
{"hour": 1, "minute": 13}
